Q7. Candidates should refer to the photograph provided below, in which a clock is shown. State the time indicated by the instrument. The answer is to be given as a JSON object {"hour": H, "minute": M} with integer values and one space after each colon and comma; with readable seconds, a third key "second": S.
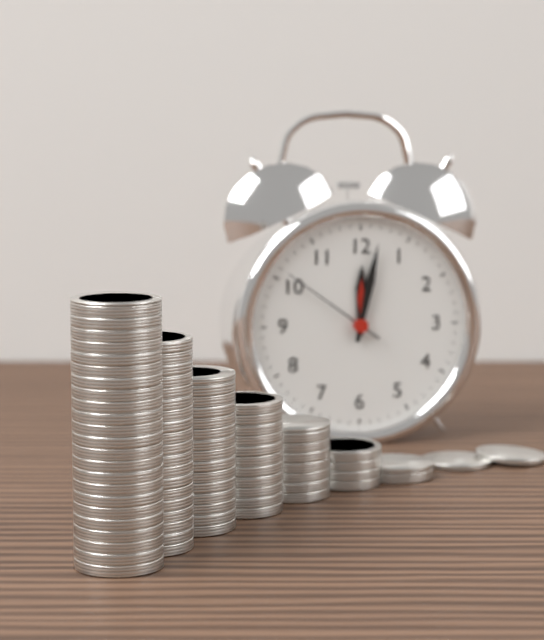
{"hour": 12, "minute": 2, "second": 51}
